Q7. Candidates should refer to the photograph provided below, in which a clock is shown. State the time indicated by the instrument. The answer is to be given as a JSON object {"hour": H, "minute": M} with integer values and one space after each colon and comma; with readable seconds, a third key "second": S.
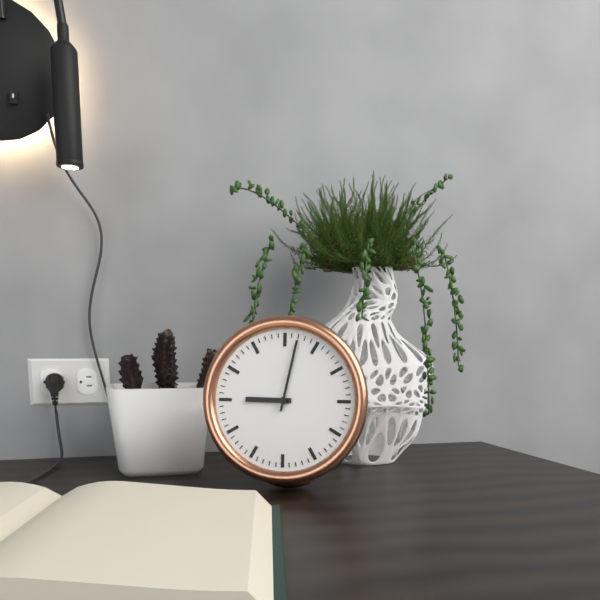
{"hour": 9, "minute": 2}
